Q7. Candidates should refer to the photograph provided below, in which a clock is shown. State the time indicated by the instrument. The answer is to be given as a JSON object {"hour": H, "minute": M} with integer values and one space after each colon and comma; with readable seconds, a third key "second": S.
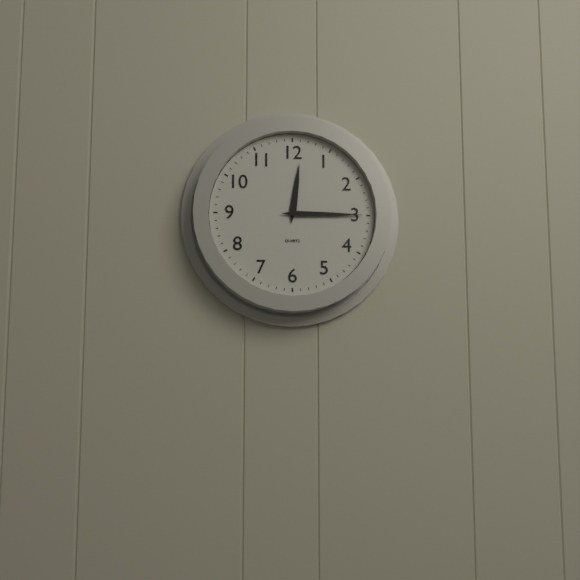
{"hour": 12, "minute": 15}
